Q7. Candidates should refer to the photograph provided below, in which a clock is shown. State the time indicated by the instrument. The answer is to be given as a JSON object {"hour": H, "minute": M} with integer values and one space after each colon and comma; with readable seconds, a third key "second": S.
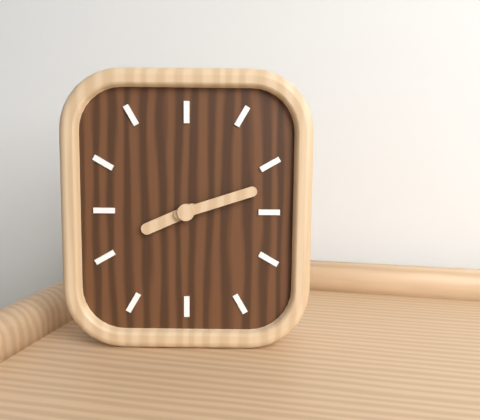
{"hour": 8, "minute": 12}
